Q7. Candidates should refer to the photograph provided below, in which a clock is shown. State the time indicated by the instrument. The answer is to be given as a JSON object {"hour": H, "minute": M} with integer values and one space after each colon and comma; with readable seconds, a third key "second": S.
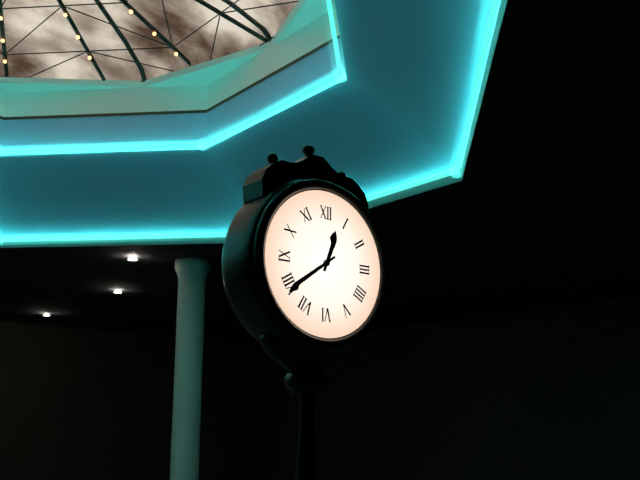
{"hour": 12, "minute": 39}
